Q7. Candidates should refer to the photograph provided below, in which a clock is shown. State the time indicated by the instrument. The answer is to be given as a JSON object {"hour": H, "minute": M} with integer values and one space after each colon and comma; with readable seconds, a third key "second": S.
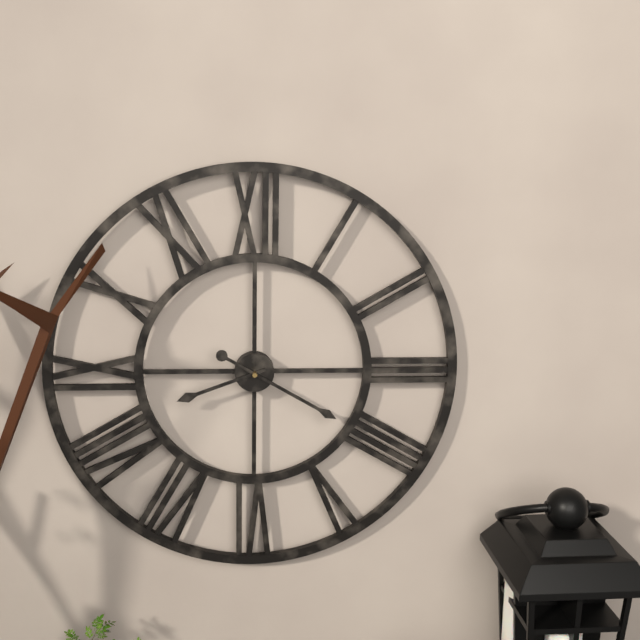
{"hour": 8, "minute": 20}
